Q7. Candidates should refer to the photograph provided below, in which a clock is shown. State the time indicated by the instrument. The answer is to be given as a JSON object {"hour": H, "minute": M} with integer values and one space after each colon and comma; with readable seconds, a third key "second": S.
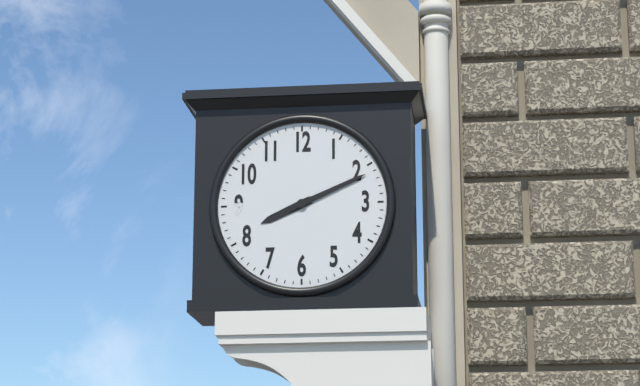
{"hour": 8, "minute": 11}
